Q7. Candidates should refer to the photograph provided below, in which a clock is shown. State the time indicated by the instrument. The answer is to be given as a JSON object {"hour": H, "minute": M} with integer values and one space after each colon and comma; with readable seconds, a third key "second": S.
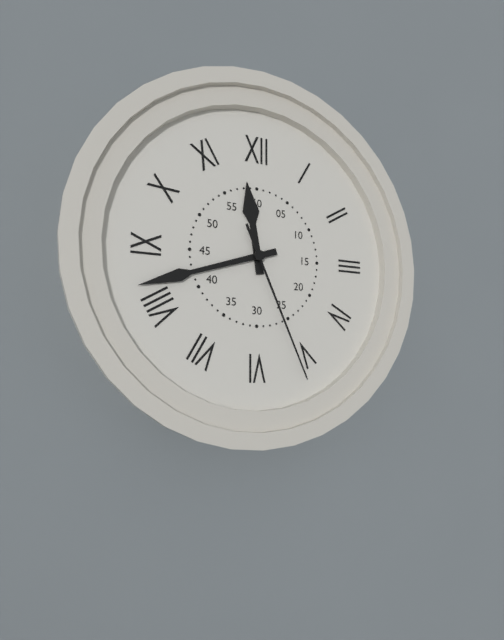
{"hour": 11, "minute": 42, "second": 26}
